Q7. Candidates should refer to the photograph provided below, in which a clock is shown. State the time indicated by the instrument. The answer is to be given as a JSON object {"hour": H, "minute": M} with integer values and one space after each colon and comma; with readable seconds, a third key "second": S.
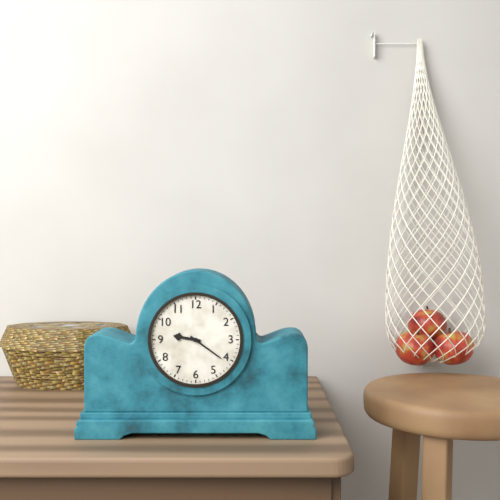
{"hour": 9, "minute": 21}
